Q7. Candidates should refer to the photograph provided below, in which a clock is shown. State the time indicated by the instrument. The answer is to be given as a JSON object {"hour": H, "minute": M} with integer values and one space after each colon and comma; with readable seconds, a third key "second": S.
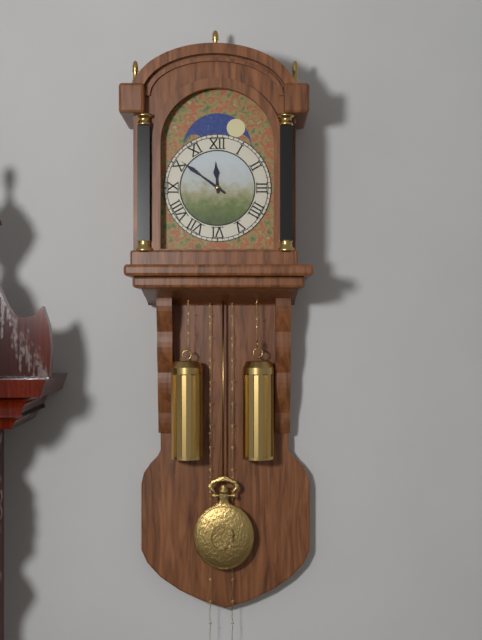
{"hour": 11, "minute": 51}
